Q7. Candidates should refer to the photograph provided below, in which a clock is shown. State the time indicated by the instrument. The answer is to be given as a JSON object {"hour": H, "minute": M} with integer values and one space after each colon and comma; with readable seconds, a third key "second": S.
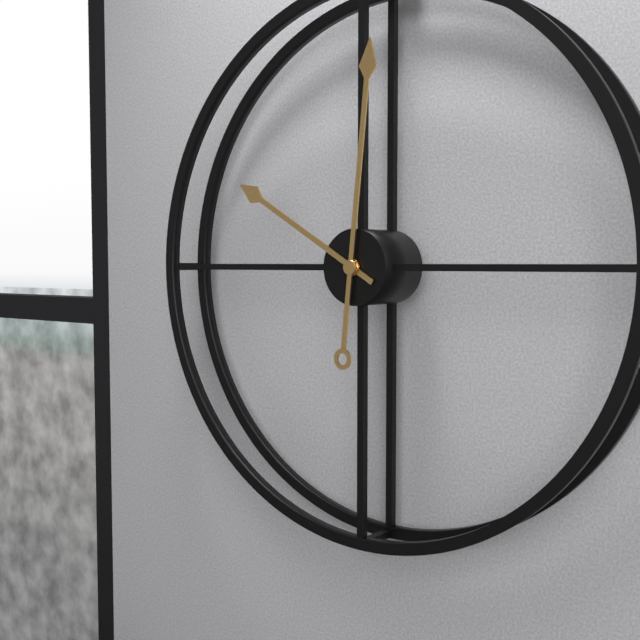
{"hour": 10, "minute": 1}
